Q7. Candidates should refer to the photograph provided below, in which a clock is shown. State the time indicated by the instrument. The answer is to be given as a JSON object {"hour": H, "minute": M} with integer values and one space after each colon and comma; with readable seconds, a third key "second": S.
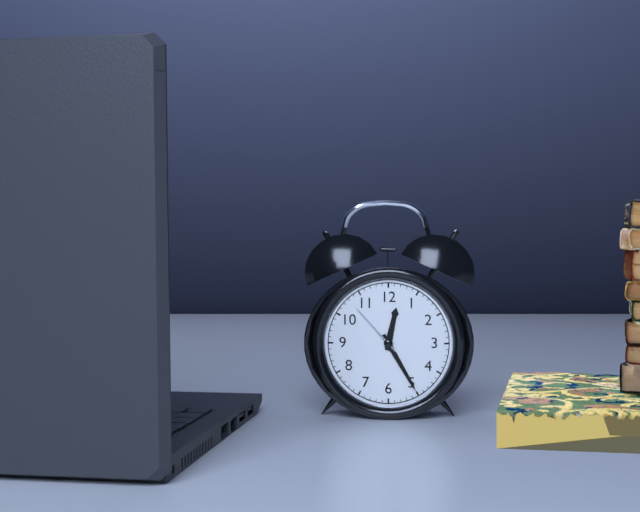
{"hour": 12, "minute": 25, "second": 53}
